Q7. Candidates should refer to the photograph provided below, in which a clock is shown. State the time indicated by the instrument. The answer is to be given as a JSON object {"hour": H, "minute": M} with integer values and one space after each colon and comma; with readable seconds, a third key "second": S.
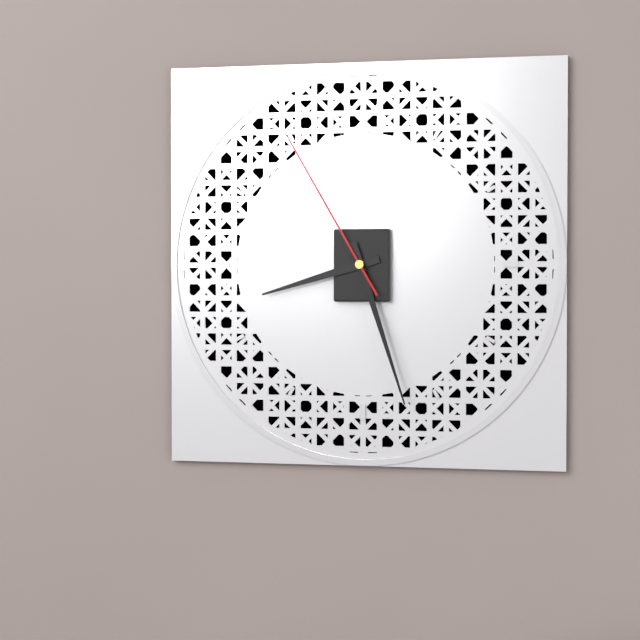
{"hour": 8, "minute": 27, "second": 55}
